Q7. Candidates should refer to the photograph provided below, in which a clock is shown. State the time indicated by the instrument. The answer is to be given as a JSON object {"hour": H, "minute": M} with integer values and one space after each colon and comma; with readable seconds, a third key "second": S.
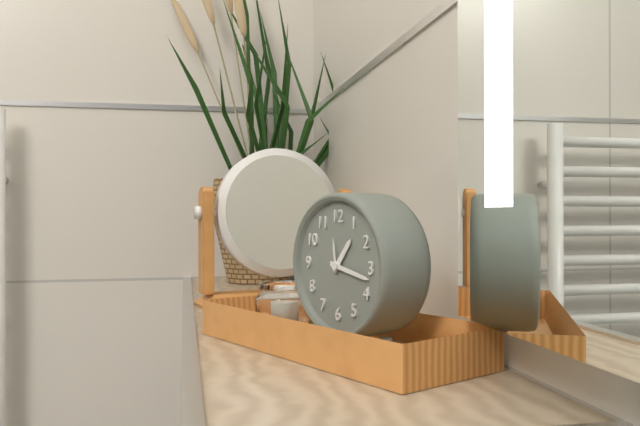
{"hour": 1, "minute": 17}
